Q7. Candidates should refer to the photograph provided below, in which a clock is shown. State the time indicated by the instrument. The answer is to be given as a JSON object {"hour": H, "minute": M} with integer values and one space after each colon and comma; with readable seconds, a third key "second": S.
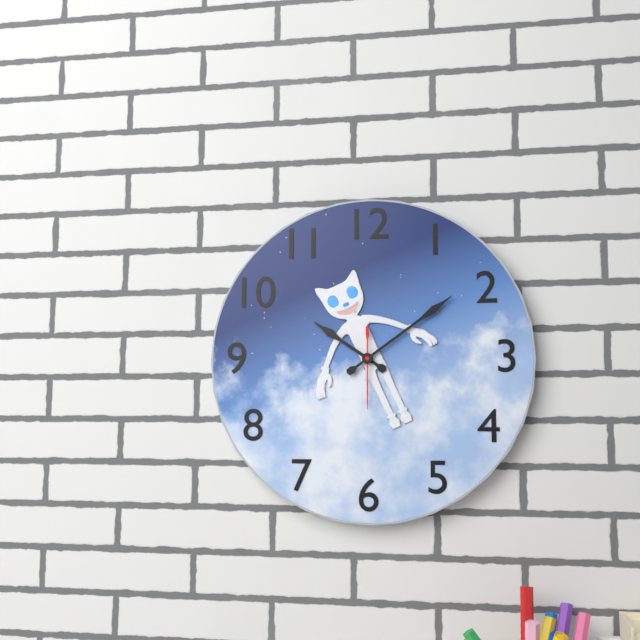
{"hour": 10, "minute": 9, "second": 30}
